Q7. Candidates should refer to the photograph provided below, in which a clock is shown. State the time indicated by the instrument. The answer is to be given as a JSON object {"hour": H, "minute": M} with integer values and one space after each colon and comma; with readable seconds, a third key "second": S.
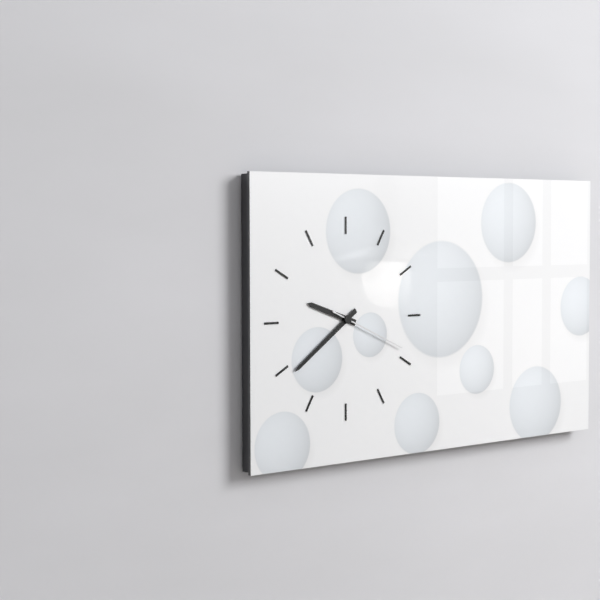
{"hour": 9, "minute": 39, "second": 19}
